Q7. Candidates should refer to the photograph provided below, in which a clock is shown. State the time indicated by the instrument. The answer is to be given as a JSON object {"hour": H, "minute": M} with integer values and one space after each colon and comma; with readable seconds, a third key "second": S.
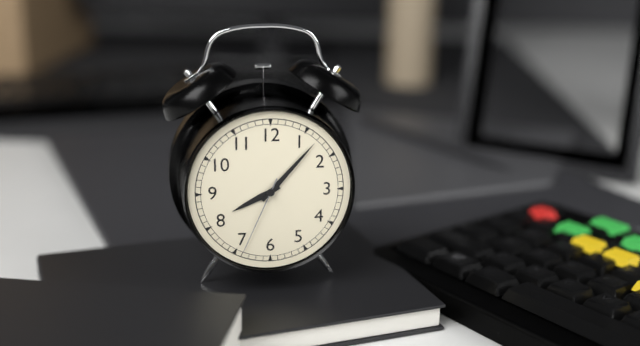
{"hour": 8, "minute": 7, "second": 34}
